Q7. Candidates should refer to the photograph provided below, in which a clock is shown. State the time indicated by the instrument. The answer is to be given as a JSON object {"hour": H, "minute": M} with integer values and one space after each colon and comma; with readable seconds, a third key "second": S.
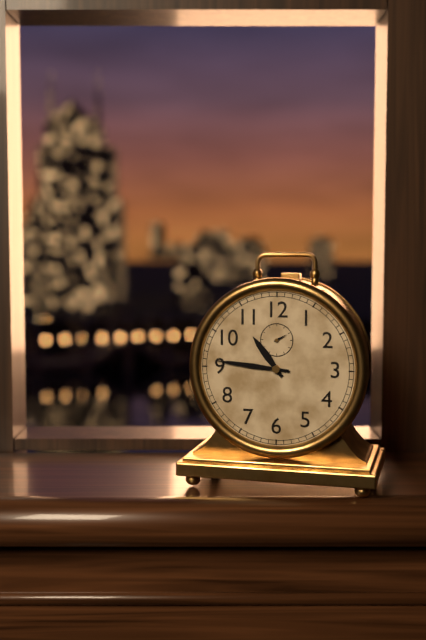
{"hour": 10, "minute": 46}
